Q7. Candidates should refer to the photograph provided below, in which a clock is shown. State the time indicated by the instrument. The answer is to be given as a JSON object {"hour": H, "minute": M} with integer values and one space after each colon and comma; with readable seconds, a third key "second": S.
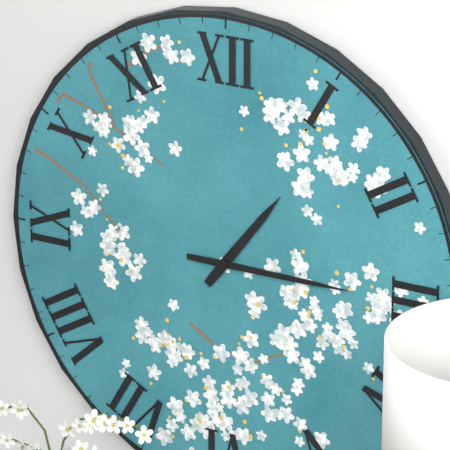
{"hour": 1, "minute": 15}
